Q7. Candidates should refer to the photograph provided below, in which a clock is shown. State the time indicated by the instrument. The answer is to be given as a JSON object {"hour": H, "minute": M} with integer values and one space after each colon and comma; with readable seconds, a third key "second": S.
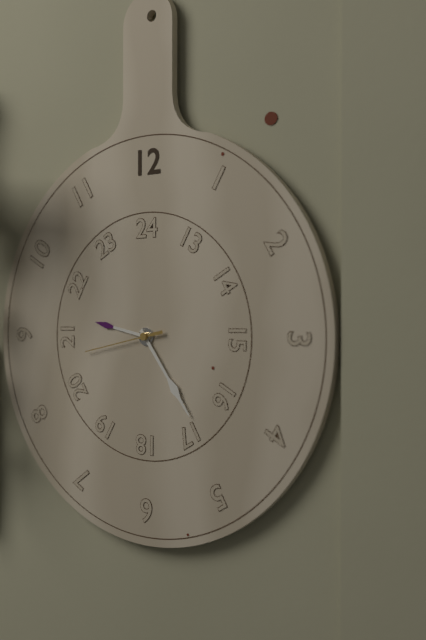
{"hour": 9, "minute": 24, "second": 43}
